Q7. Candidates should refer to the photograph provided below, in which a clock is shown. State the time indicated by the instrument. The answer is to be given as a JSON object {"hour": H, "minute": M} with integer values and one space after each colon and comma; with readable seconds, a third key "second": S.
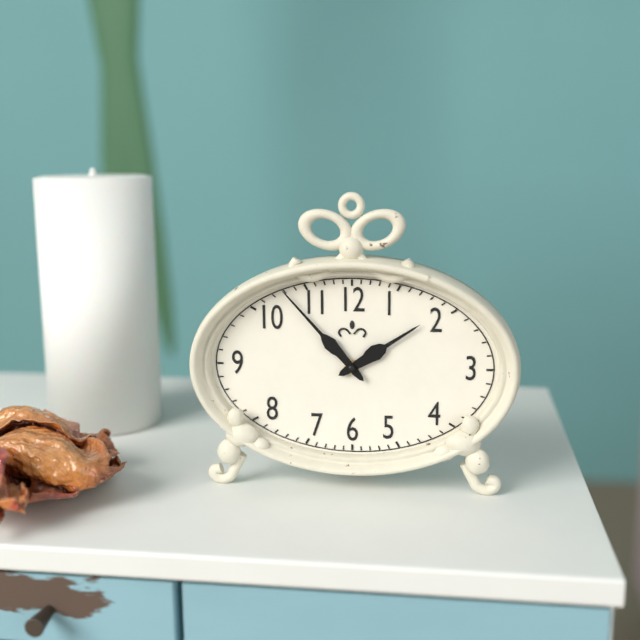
{"hour": 1, "minute": 53}
